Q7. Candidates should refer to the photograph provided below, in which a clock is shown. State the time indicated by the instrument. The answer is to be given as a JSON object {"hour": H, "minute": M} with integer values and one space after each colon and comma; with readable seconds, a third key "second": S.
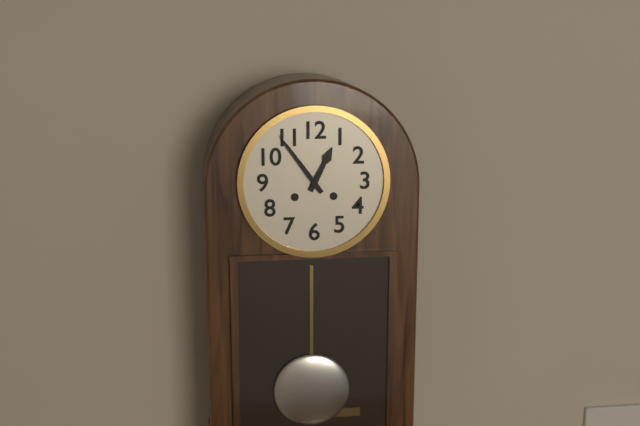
{"hour": 12, "minute": 54}
